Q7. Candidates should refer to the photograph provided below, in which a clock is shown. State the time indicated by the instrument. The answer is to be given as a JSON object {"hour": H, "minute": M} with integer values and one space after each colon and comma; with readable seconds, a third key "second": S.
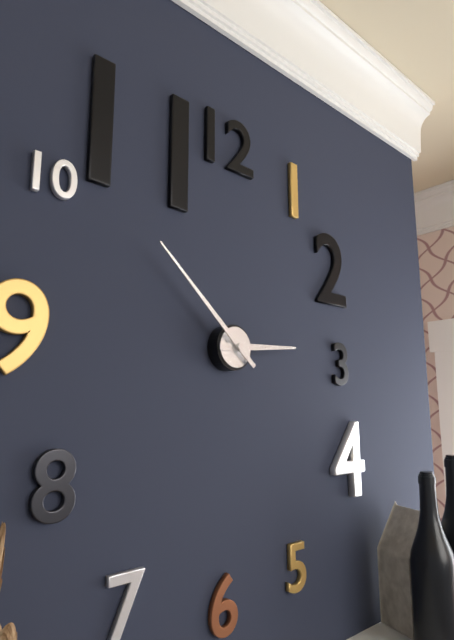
{"hour": 2, "minute": 52}
